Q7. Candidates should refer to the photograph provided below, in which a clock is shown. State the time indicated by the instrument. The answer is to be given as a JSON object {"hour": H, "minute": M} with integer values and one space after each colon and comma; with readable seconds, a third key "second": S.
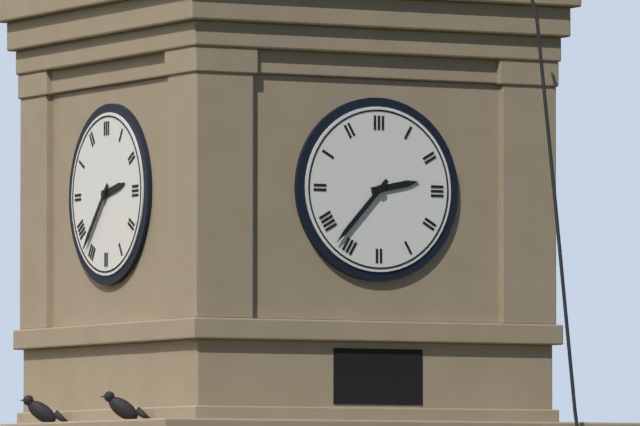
{"hour": 2, "minute": 37}
